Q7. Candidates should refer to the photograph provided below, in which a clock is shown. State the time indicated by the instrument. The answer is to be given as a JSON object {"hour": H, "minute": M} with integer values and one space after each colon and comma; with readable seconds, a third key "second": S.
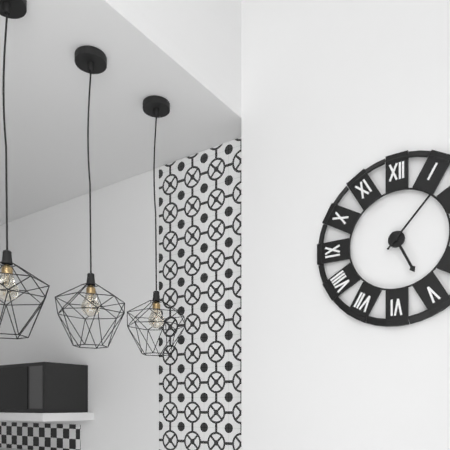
{"hour": 5, "minute": 7}
